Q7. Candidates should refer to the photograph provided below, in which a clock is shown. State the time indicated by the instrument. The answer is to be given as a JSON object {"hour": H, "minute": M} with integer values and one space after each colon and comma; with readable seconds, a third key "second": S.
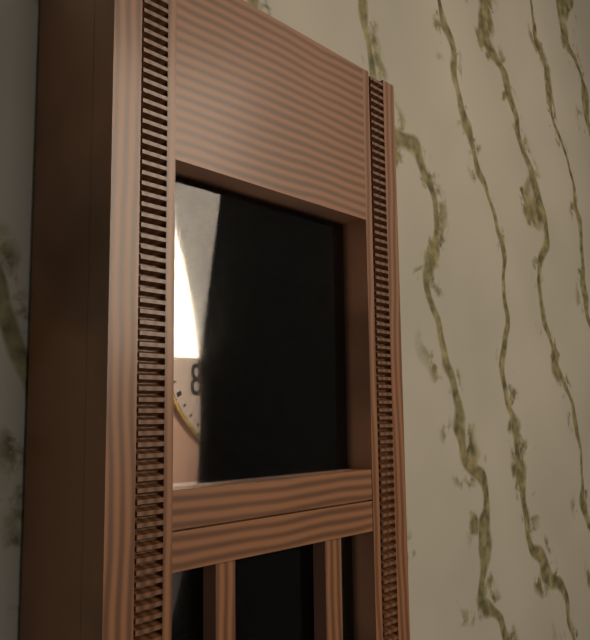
{"hour": 5, "minute": 14}
